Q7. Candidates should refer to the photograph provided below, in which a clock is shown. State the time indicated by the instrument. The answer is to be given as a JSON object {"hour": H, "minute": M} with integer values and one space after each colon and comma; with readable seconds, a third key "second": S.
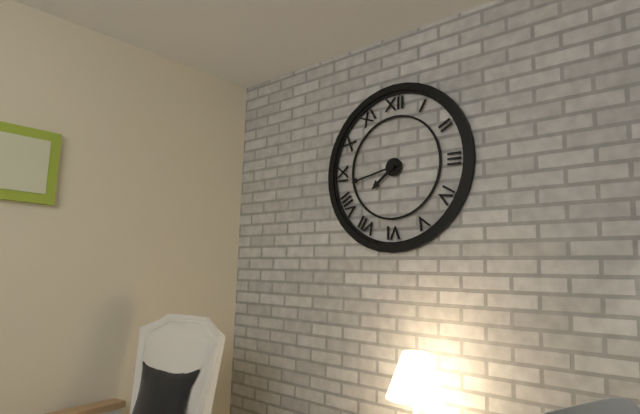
{"hour": 7, "minute": 43}
